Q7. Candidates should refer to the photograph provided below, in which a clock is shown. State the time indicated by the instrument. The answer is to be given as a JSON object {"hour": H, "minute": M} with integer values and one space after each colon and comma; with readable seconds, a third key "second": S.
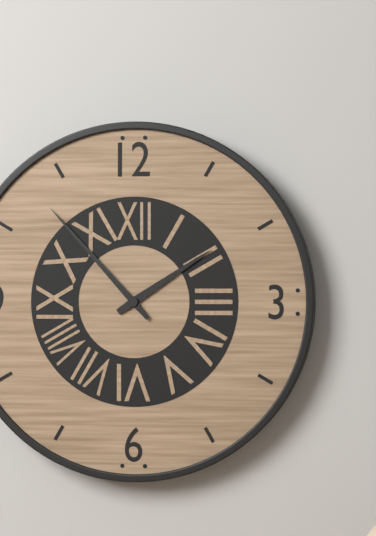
{"hour": 1, "minute": 53}
